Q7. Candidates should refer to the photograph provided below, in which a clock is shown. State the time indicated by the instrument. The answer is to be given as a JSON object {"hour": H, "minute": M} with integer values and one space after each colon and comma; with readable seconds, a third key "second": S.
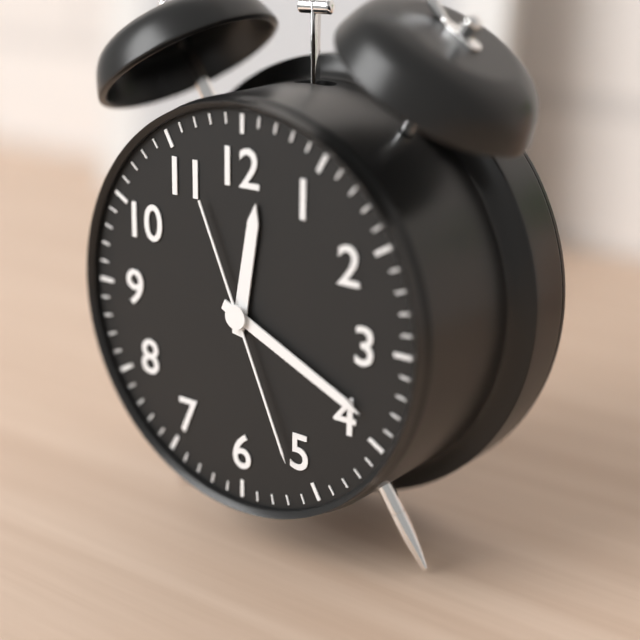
{"hour": 12, "minute": 19, "second": 26}
